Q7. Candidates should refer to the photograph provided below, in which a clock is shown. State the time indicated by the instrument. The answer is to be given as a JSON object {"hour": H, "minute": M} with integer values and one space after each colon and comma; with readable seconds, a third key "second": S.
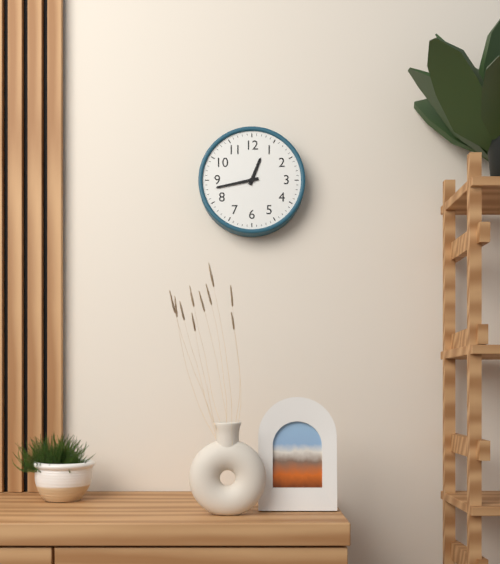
{"hour": 12, "minute": 43}
